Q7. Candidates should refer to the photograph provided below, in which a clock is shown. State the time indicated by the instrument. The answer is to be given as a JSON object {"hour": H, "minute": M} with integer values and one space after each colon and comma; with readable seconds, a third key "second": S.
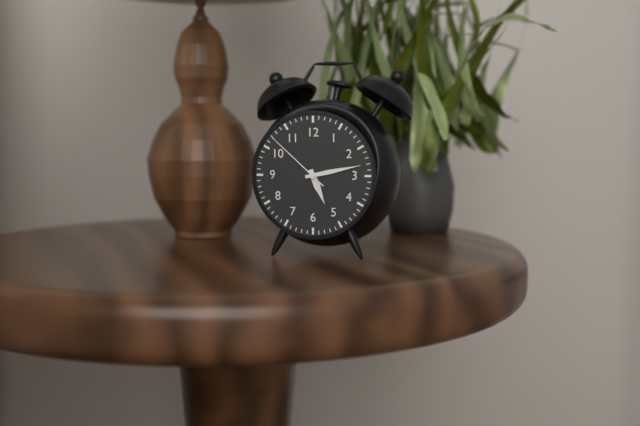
{"hour": 5, "minute": 13, "second": 52}
